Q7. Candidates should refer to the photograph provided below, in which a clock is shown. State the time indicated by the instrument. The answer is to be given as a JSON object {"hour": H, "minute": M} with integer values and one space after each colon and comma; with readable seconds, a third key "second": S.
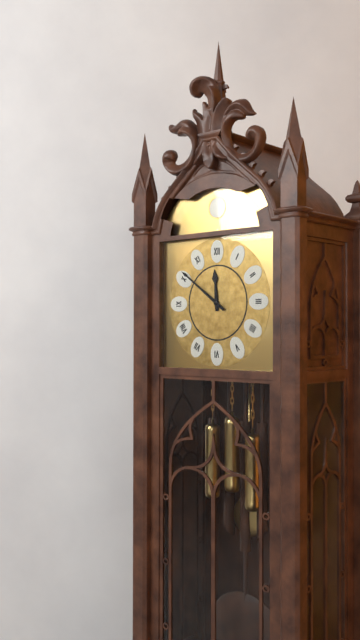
{"hour": 11, "minute": 51}
